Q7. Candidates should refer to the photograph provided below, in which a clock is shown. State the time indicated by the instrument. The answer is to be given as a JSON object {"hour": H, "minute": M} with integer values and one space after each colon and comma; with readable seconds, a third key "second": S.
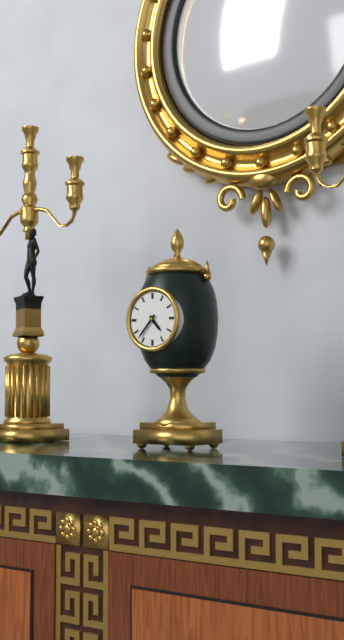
{"hour": 4, "minute": 37}
